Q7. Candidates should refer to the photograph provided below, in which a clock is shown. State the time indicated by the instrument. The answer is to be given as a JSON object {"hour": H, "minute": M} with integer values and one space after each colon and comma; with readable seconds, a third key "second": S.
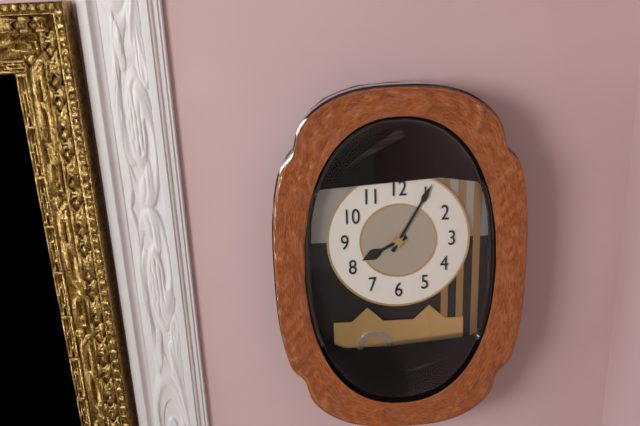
{"hour": 8, "minute": 5}
